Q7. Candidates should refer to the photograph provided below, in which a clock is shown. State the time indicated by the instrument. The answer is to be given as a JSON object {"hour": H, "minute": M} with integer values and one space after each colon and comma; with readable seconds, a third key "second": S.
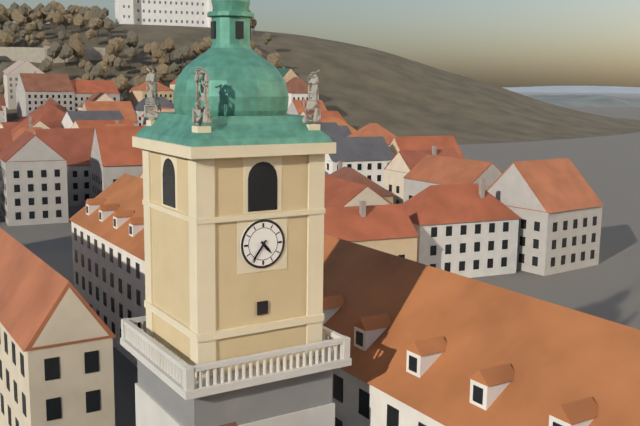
{"hour": 4, "minute": 36}
